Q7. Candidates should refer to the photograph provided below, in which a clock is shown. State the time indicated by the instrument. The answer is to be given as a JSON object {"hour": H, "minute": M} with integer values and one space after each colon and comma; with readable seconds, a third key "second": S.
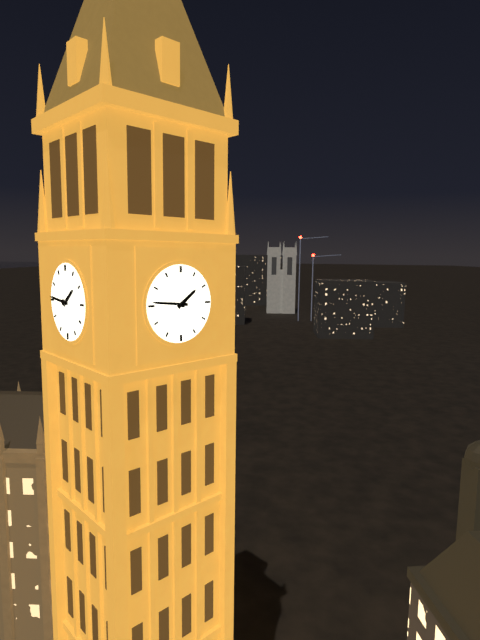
{"hour": 1, "minute": 46}
